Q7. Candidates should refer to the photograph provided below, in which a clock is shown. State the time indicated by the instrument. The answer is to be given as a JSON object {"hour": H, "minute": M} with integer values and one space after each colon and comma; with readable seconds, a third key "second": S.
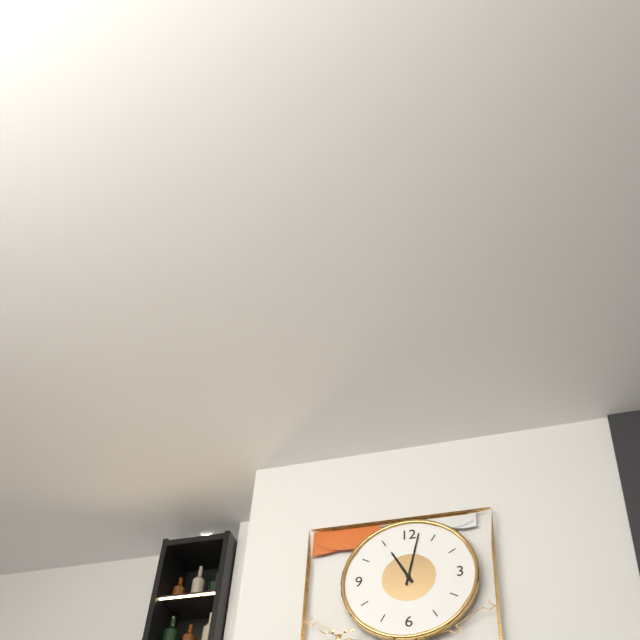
{"hour": 11, "minute": 2}
